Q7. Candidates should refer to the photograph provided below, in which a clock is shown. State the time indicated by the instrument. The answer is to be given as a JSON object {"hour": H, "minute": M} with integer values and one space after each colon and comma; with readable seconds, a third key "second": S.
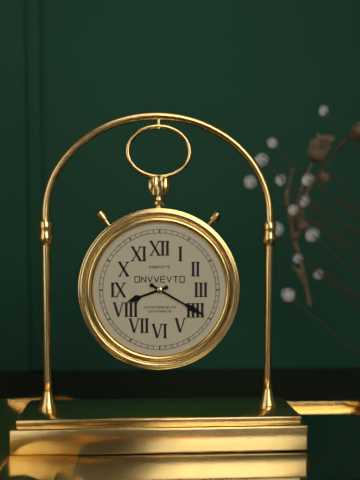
{"hour": 8, "minute": 20}
